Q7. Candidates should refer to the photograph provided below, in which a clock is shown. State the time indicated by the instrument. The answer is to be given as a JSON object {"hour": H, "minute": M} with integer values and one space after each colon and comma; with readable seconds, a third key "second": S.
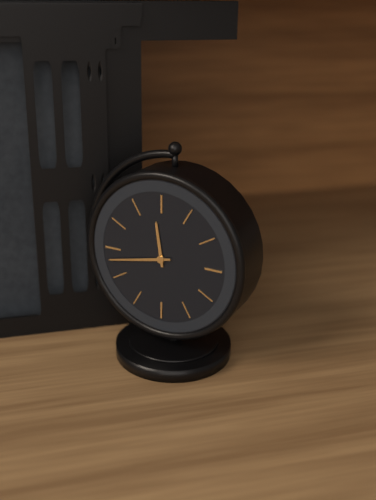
{"hour": 11, "minute": 43}
